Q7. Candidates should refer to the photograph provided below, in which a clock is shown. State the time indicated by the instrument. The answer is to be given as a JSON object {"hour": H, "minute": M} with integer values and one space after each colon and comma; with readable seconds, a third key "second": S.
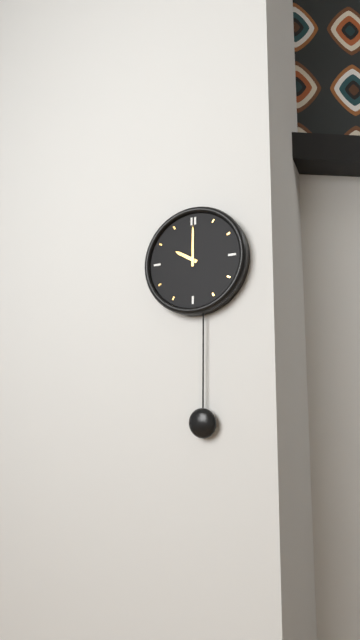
{"hour": 10, "minute": 0}
